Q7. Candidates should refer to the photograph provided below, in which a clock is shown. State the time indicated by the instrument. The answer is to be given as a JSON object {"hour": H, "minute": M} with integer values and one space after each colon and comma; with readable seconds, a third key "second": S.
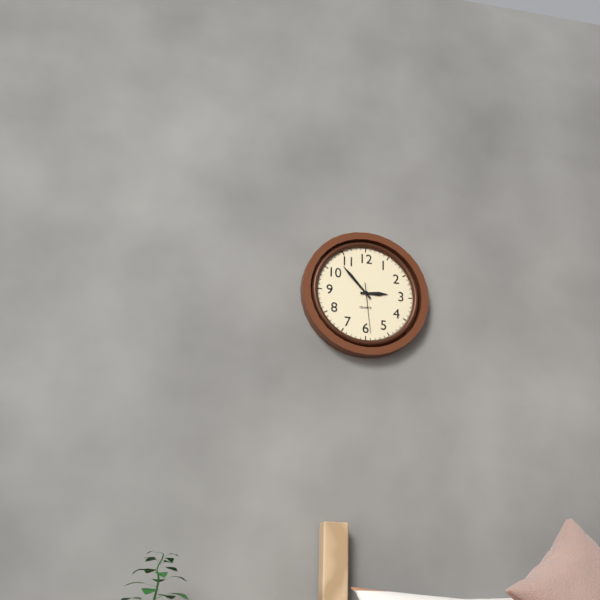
{"hour": 2, "minute": 53}
